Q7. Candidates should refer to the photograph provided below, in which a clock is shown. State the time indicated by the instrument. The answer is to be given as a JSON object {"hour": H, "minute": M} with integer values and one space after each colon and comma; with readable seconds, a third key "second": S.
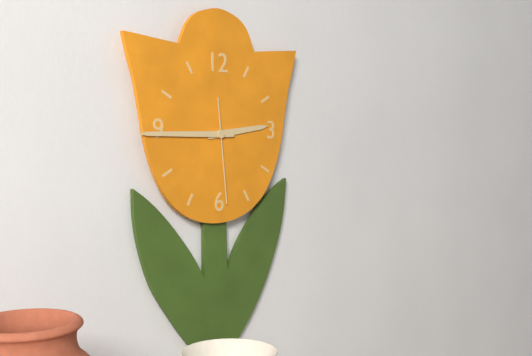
{"hour": 2, "minute": 45, "second": 29}
